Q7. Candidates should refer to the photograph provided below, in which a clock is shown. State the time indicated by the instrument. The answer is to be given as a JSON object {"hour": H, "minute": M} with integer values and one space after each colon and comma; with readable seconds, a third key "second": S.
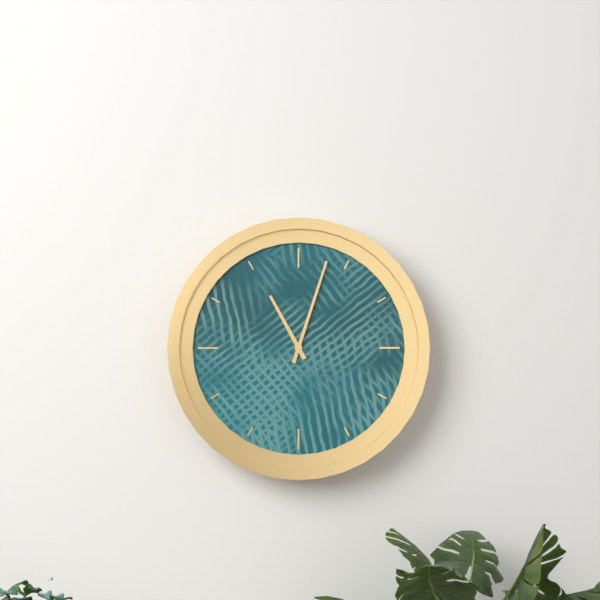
{"hour": 11, "minute": 3}
